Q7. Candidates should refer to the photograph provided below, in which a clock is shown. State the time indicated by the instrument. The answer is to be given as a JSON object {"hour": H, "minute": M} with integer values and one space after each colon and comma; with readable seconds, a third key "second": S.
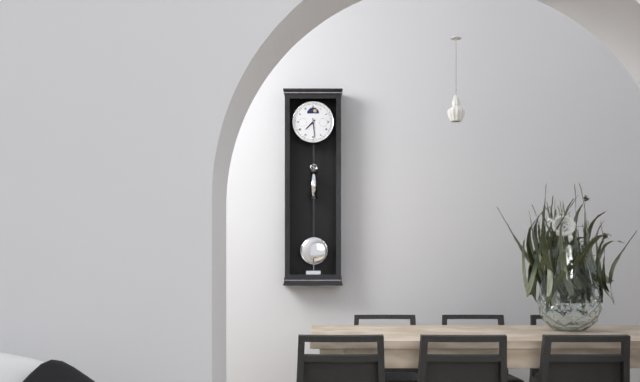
{"hour": 7, "minute": 29}
